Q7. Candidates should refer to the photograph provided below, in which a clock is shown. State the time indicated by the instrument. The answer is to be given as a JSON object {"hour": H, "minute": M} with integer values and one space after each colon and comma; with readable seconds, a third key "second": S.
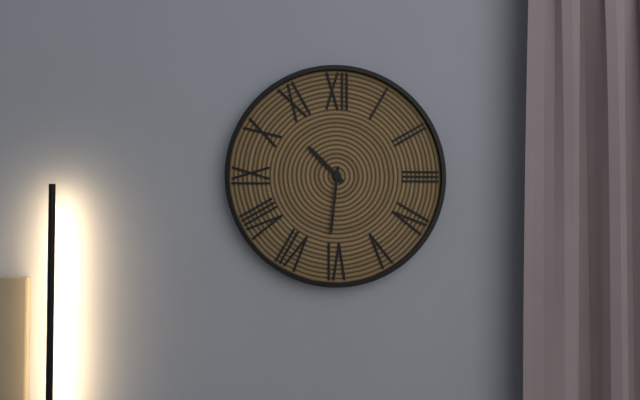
{"hour": 10, "minute": 31}
